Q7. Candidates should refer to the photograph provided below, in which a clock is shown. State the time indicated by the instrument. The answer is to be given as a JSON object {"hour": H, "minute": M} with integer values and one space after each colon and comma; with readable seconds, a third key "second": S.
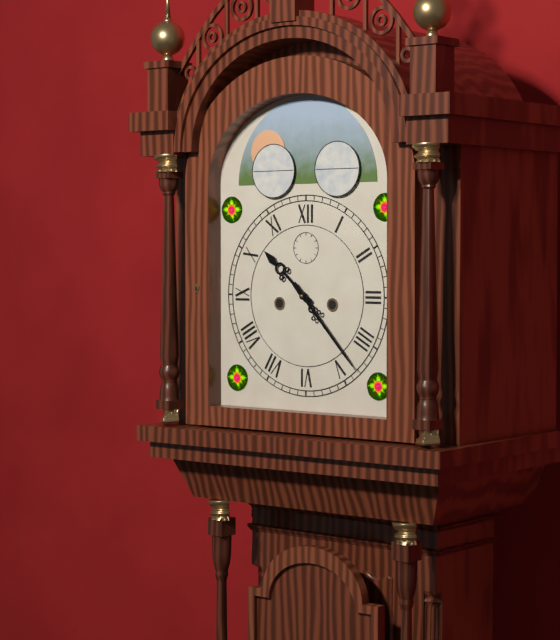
{"hour": 10, "minute": 23}
